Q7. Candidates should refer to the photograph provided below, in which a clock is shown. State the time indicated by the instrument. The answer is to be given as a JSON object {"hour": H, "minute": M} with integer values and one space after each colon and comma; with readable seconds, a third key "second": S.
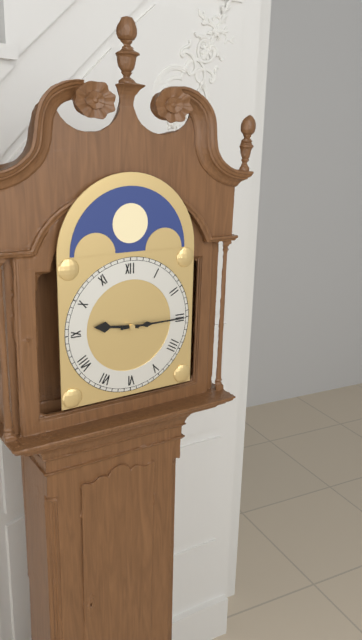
{"hour": 9, "minute": 15}
